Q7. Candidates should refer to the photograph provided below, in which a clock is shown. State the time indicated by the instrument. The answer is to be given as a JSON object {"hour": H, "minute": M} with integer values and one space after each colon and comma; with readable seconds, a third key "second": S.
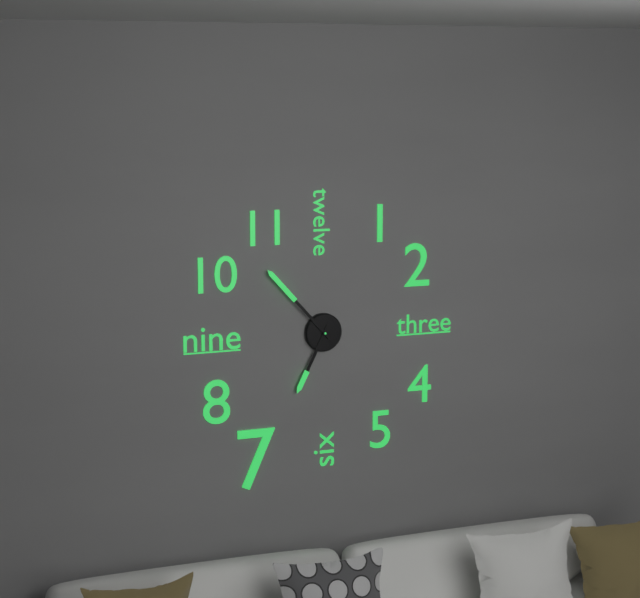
{"hour": 6, "minute": 53}
